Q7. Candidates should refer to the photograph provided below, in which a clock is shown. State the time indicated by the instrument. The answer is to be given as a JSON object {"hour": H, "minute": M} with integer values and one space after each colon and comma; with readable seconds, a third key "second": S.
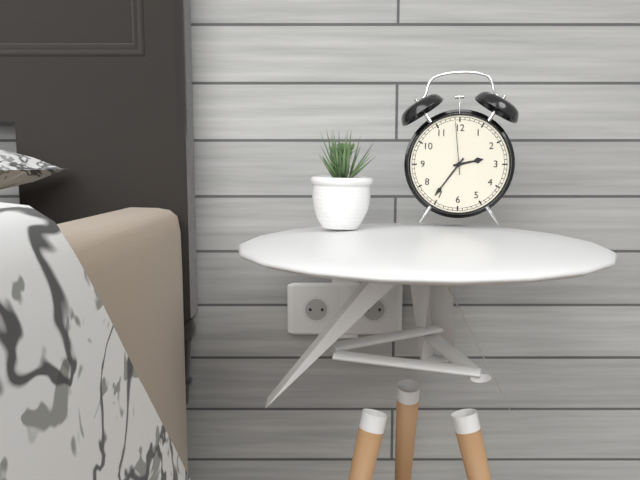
{"hour": 2, "minute": 36, "second": 59}
